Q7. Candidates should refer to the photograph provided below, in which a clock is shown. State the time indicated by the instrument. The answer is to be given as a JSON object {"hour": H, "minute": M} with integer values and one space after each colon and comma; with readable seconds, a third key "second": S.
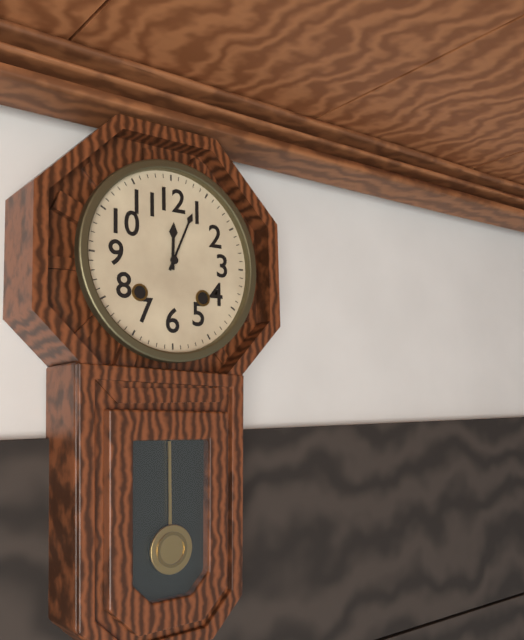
{"hour": 12, "minute": 4}
